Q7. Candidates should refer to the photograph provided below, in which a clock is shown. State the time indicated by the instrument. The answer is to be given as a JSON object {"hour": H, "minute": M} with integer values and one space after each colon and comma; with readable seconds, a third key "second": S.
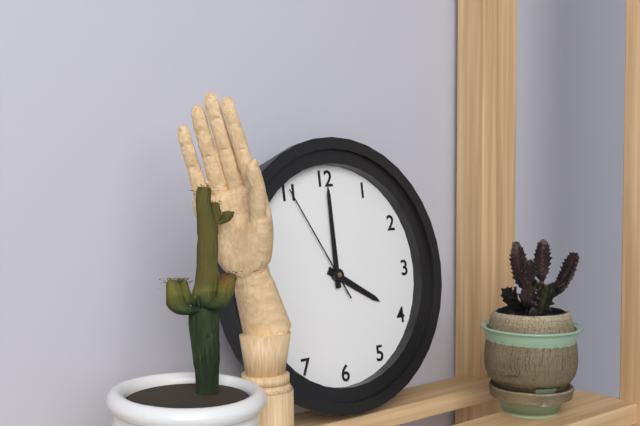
{"hour": 4, "minute": 0, "second": 55}
